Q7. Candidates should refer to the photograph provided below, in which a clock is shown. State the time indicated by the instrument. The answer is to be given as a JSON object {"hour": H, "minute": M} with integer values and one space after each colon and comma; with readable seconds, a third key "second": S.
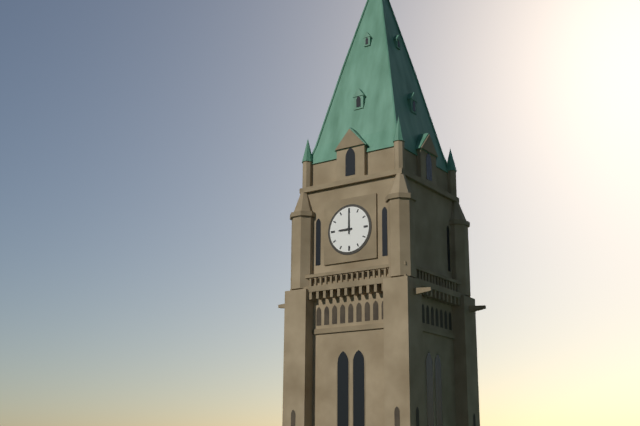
{"hour": 9, "minute": 0}
